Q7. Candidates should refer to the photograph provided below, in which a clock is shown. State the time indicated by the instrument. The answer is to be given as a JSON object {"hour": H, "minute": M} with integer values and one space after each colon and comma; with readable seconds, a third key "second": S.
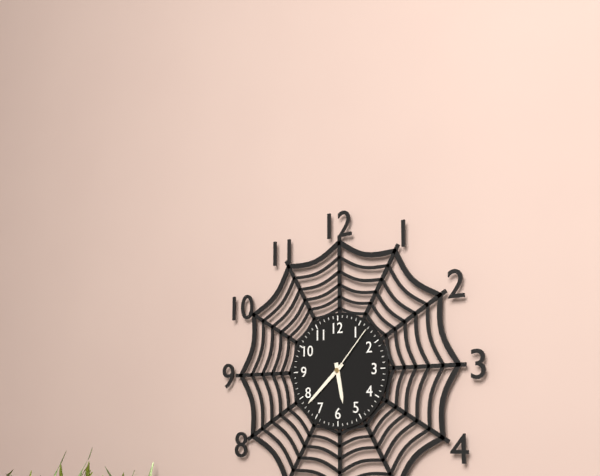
{"hour": 5, "minute": 38, "second": 7}
